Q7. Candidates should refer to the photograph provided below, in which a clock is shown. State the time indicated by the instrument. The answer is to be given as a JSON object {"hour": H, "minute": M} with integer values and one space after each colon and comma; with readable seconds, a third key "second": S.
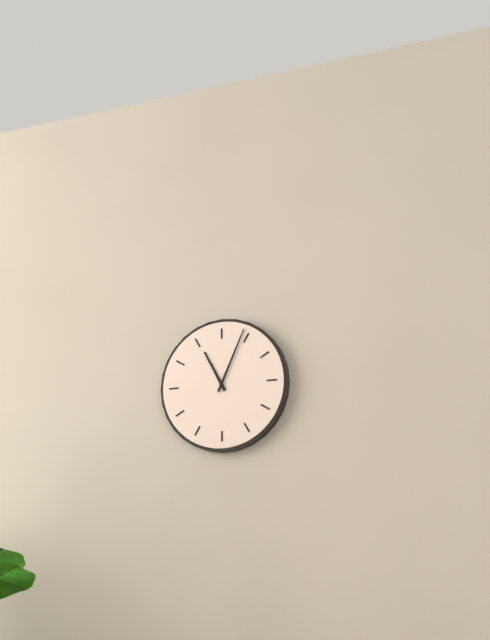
{"hour": 11, "minute": 4}
